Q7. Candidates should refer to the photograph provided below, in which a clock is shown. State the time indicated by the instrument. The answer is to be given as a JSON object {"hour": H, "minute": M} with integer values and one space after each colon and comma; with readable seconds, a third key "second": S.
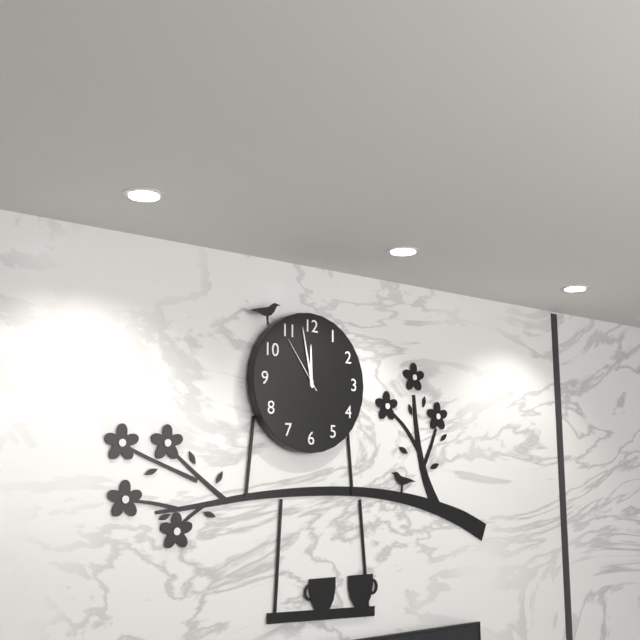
{"hour": 11, "minute": 58, "second": 54}
